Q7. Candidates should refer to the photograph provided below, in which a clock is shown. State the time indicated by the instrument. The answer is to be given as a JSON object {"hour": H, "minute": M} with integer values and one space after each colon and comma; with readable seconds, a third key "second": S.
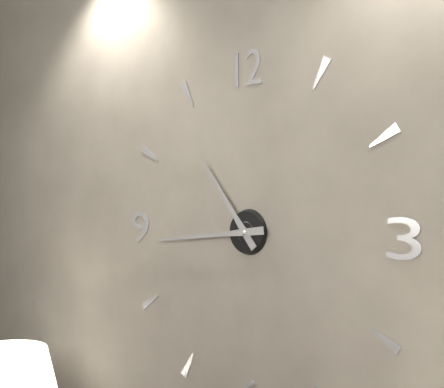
{"hour": 10, "minute": 44}
